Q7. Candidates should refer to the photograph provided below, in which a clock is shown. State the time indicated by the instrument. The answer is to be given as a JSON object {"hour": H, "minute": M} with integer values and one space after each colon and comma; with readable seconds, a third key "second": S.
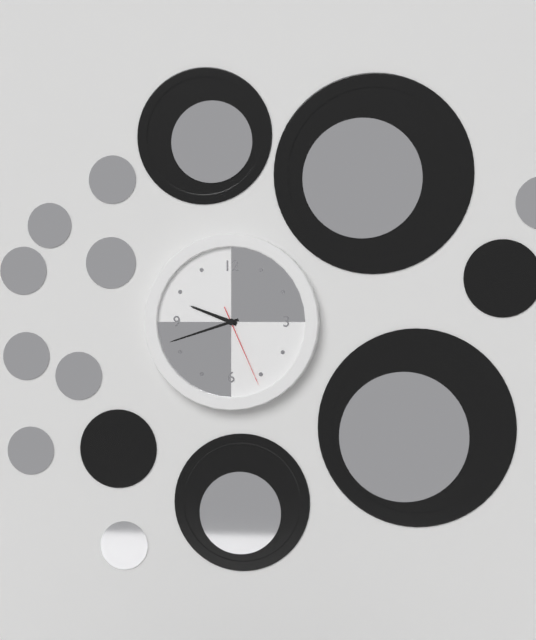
{"hour": 9, "minute": 42, "second": 26}
